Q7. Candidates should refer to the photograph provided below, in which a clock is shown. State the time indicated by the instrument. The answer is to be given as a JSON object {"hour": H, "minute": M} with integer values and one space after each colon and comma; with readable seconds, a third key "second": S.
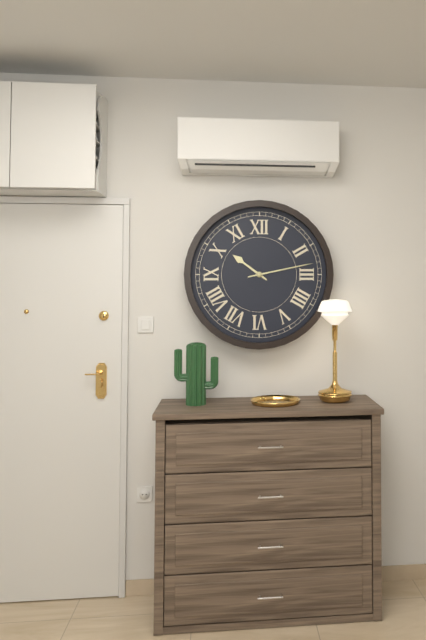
{"hour": 10, "minute": 13}
